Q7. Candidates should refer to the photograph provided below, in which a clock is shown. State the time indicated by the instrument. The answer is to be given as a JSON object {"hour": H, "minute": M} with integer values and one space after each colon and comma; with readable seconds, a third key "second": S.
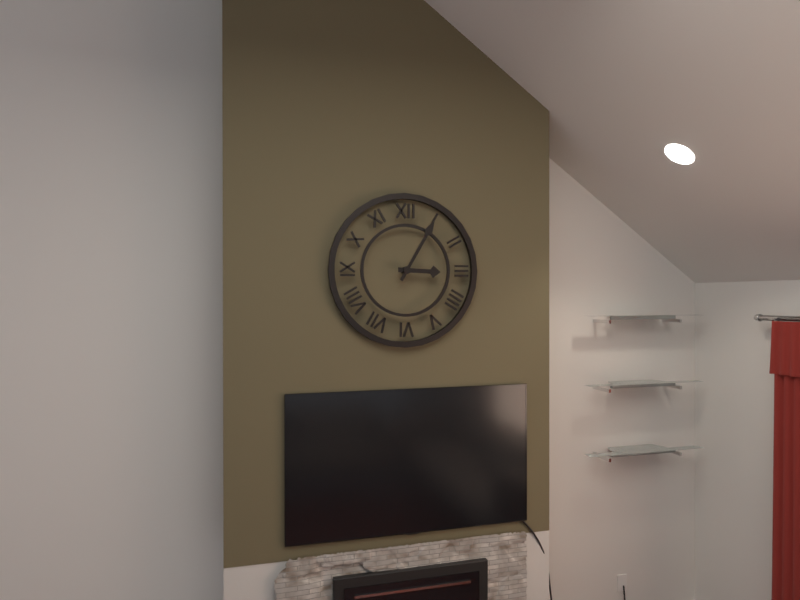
{"hour": 3, "minute": 5}
